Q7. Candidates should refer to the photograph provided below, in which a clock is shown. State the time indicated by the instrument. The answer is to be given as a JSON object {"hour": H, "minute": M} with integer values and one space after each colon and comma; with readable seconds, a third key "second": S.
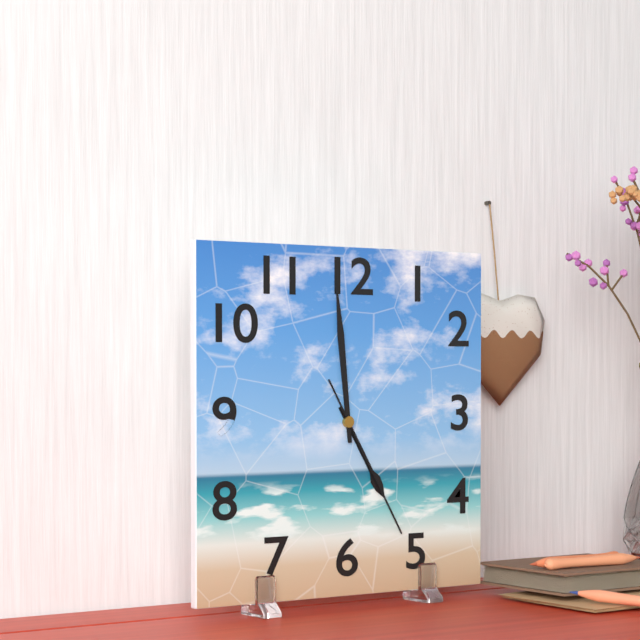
{"hour": 4, "minute": 59, "second": 25}
